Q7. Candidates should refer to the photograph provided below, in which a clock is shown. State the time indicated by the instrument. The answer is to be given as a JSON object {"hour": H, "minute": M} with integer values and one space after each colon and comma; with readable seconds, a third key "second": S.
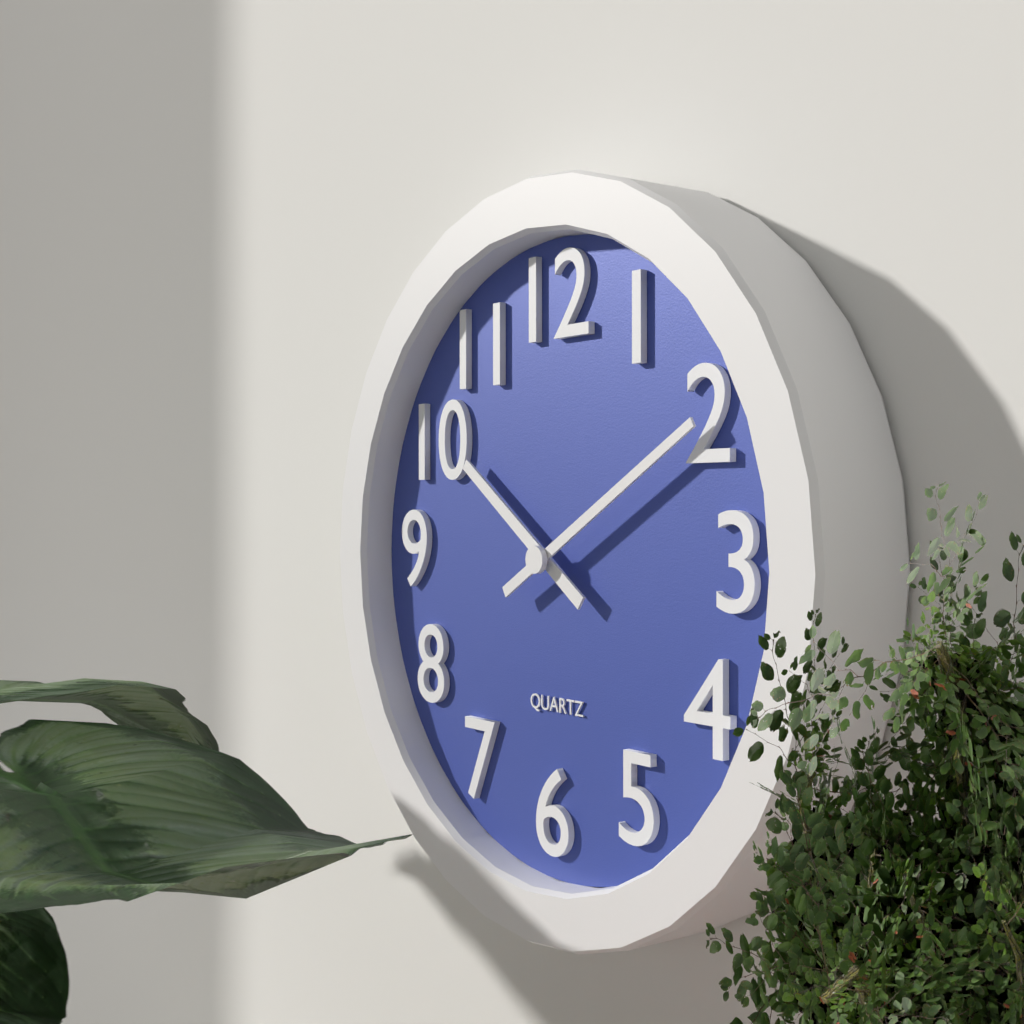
{"hour": 10, "minute": 10}
